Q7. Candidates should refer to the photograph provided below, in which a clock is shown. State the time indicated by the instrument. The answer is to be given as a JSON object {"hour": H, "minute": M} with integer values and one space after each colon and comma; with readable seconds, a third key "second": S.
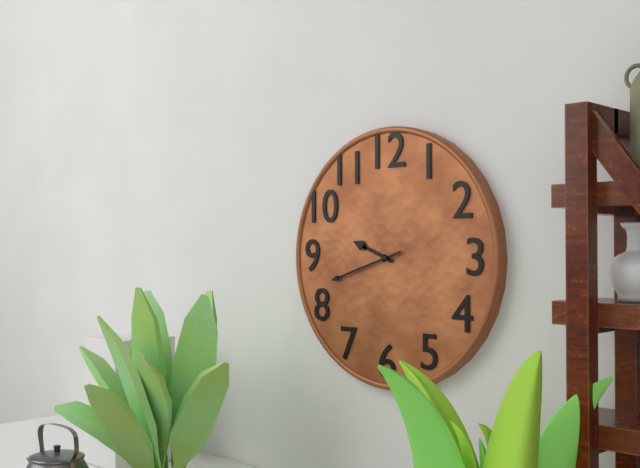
{"hour": 9, "minute": 42}
